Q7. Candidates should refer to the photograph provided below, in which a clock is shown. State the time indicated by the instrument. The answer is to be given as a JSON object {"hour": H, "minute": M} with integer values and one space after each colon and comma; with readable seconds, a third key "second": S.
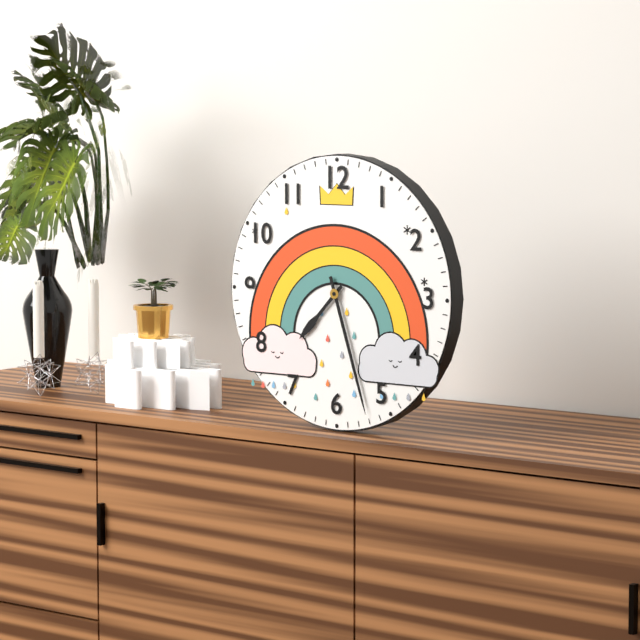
{"hour": 7, "minute": 27}
